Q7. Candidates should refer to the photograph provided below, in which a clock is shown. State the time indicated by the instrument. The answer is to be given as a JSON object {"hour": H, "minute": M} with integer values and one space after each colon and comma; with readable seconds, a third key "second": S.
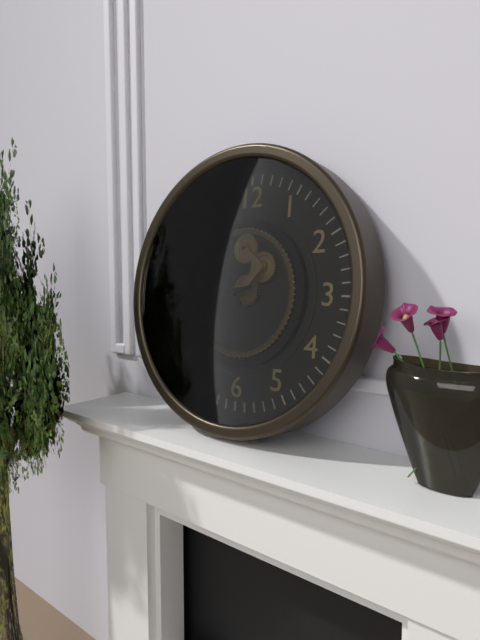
{"hour": 10, "minute": 43}
